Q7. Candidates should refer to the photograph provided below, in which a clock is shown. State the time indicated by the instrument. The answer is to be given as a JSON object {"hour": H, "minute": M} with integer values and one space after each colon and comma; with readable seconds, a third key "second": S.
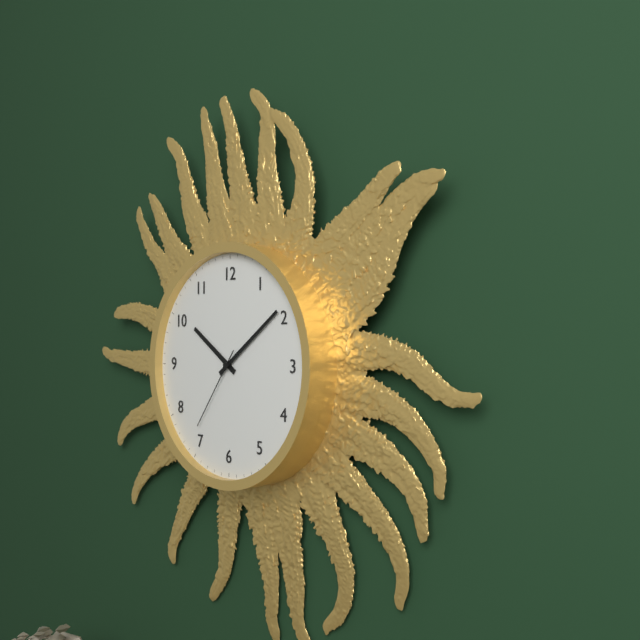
{"hour": 10, "minute": 9, "second": 36}
